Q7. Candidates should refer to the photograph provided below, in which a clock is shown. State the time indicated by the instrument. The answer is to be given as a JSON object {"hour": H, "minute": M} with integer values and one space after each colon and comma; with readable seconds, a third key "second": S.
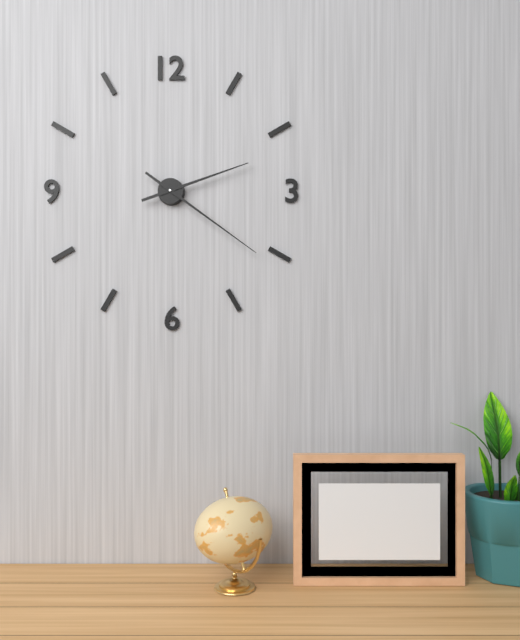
{"hour": 2, "minute": 21}
